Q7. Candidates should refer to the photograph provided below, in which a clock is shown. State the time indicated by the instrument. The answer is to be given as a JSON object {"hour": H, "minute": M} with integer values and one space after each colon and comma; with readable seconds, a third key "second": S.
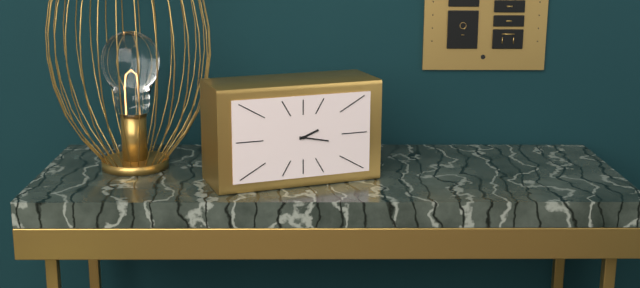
{"hour": 2, "minute": 17}
